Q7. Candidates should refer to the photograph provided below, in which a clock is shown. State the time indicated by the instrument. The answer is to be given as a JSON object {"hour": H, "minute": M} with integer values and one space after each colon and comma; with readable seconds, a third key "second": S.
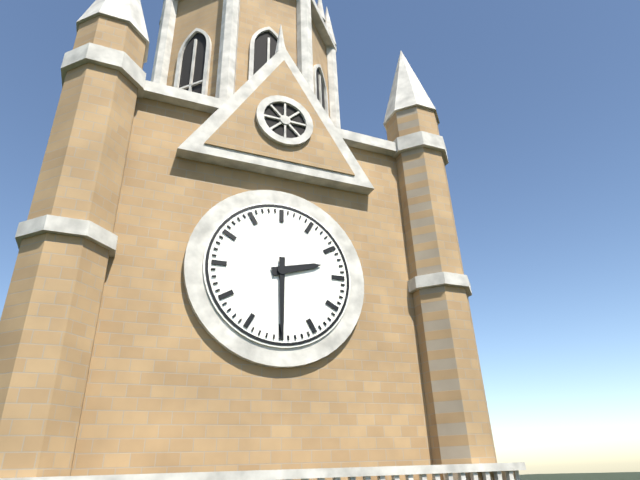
{"hour": 2, "minute": 30}
